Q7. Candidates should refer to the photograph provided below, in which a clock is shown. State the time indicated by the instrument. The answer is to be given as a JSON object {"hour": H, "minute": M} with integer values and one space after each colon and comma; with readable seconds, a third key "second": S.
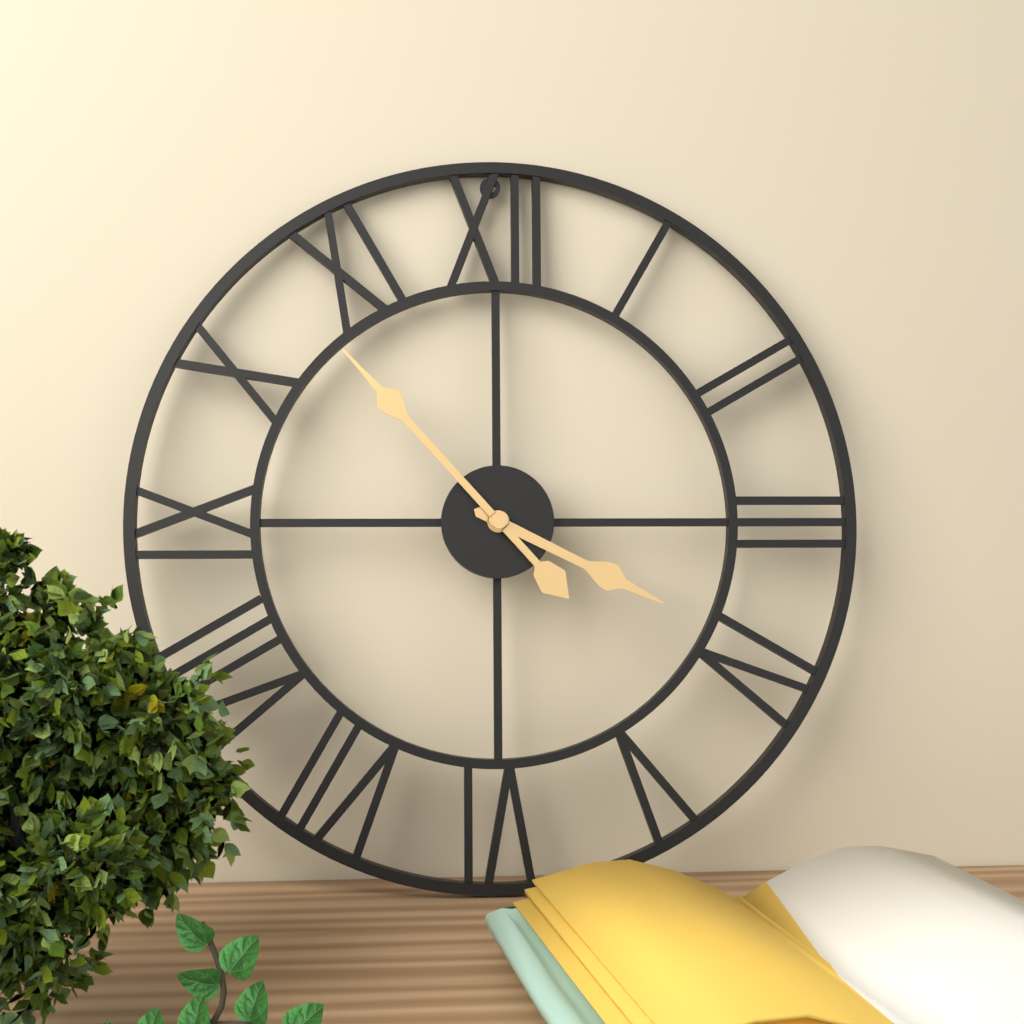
{"hour": 3, "minute": 53}
